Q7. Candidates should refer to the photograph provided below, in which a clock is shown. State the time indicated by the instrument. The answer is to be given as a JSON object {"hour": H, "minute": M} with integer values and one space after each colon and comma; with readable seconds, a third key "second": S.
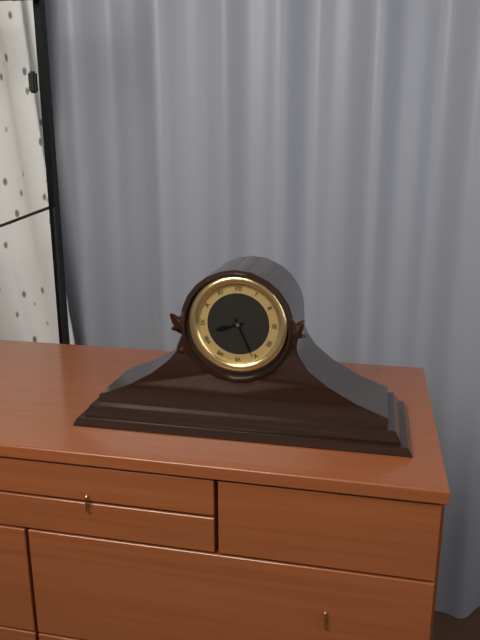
{"hour": 8, "minute": 26}
